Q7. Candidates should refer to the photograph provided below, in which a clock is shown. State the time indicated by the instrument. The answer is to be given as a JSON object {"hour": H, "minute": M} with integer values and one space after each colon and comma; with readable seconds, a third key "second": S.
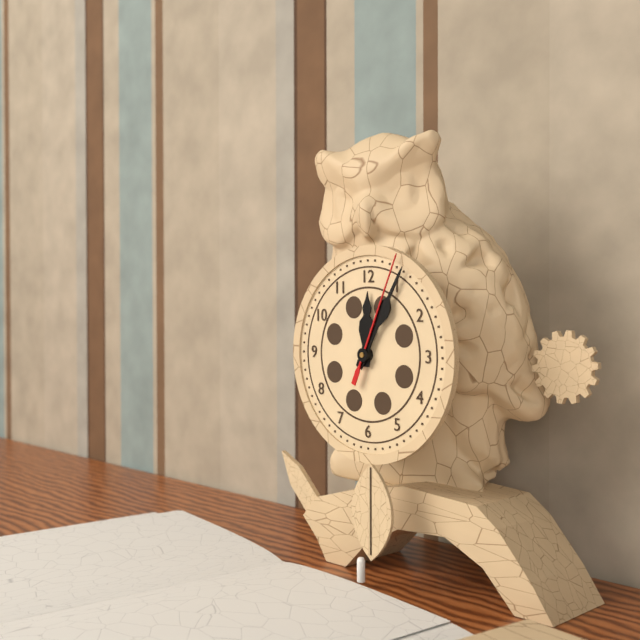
{"hour": 12, "minute": 5, "second": 4}
